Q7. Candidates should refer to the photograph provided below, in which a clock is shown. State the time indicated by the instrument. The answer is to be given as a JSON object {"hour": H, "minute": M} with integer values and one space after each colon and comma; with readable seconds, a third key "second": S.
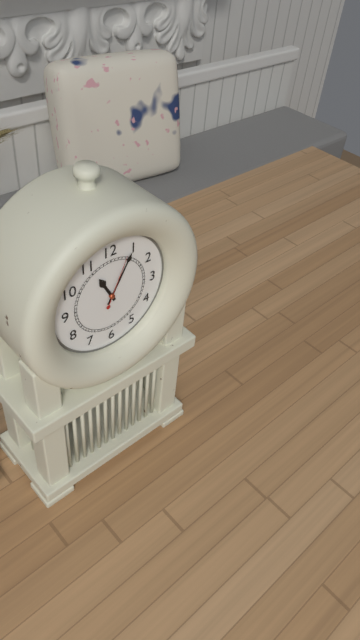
{"hour": 11, "minute": 5, "second": 4}
